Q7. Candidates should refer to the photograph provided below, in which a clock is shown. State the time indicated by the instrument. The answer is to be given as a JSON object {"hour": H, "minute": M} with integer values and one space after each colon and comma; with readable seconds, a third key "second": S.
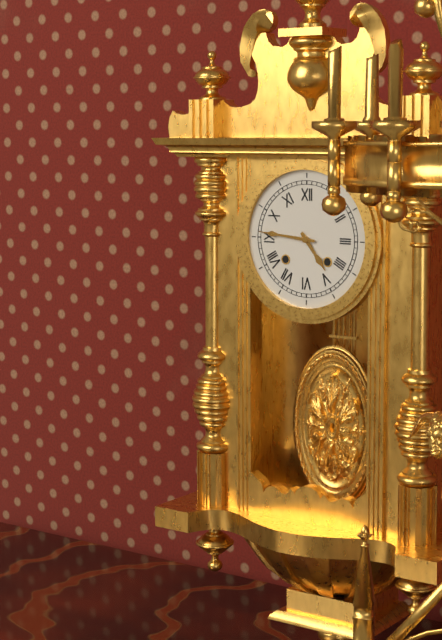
{"hour": 4, "minute": 46}
